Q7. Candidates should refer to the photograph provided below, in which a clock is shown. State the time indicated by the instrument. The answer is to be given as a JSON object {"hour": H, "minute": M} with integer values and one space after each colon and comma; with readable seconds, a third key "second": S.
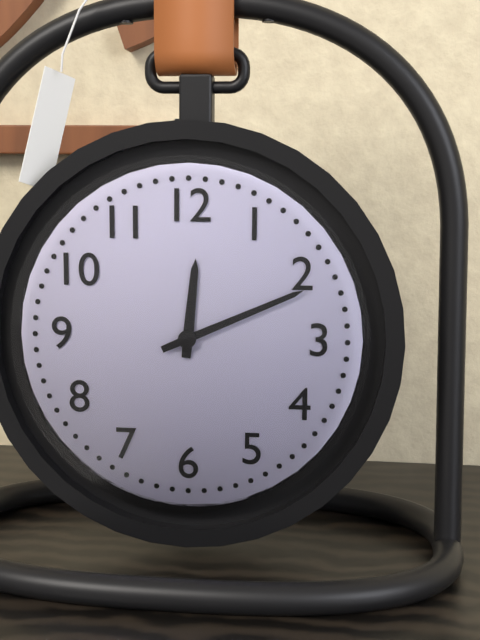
{"hour": 12, "minute": 11}
